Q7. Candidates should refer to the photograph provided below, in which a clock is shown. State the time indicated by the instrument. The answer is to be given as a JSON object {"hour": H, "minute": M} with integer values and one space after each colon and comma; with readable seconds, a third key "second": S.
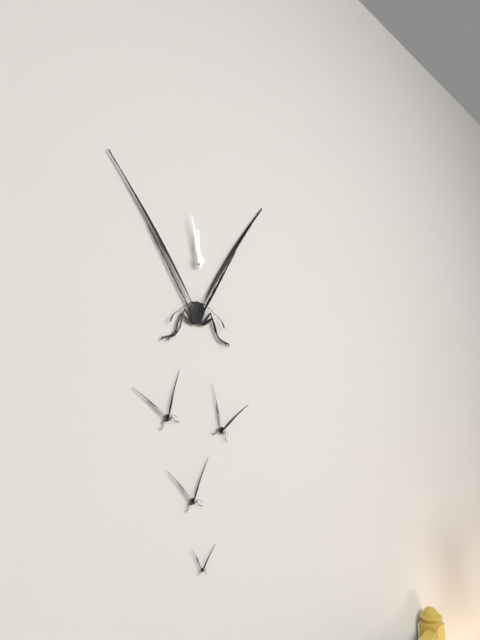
{"hour": 11, "minute": 58}
